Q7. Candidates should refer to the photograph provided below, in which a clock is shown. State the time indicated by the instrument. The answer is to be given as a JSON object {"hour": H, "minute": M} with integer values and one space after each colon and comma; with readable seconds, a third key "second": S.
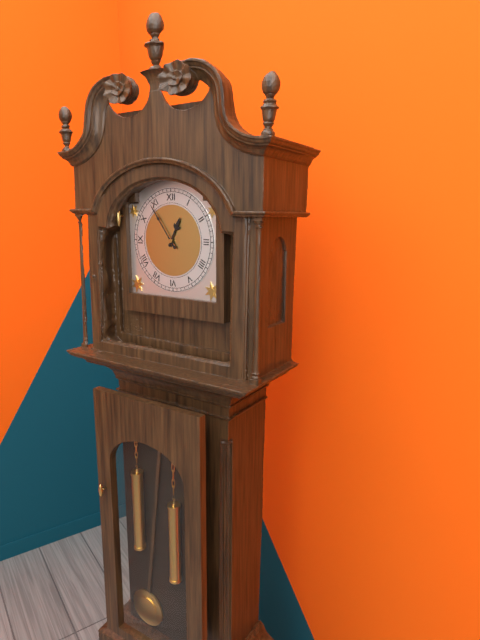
{"hour": 12, "minute": 54}
